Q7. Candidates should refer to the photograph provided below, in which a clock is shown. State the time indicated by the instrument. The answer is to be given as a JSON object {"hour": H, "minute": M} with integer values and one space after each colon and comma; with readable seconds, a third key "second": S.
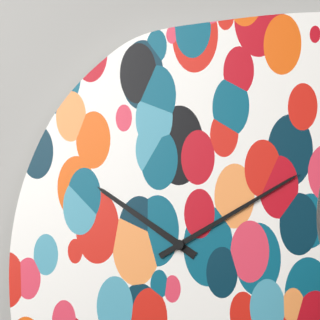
{"hour": 10, "minute": 10}
